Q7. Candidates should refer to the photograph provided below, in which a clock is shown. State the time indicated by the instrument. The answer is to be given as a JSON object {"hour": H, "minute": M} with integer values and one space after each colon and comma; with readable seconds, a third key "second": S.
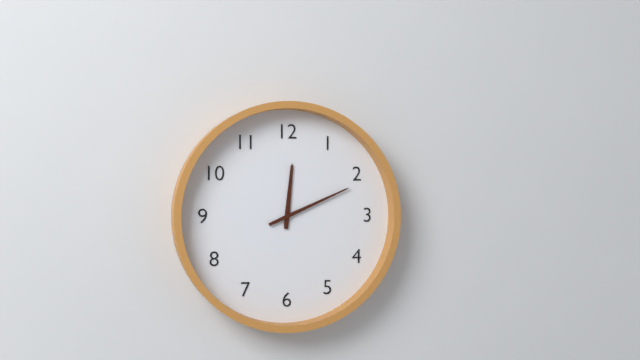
{"hour": 12, "minute": 11}
